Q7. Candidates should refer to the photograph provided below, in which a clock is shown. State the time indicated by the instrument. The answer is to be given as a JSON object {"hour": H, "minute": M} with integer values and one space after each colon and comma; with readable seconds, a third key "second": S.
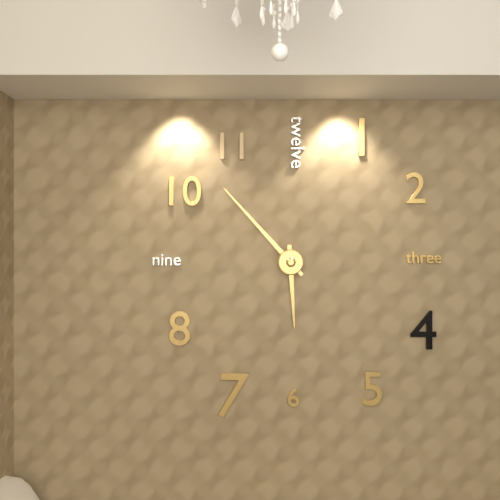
{"hour": 5, "minute": 53}
